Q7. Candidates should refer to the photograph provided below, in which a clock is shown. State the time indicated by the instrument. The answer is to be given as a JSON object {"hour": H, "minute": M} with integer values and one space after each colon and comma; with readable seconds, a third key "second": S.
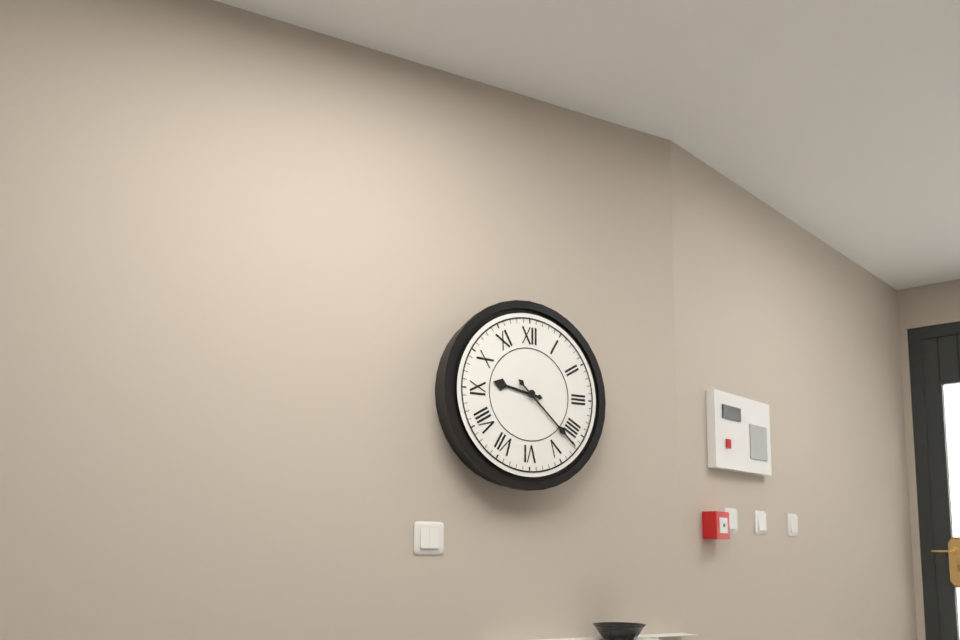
{"hour": 9, "minute": 22}
